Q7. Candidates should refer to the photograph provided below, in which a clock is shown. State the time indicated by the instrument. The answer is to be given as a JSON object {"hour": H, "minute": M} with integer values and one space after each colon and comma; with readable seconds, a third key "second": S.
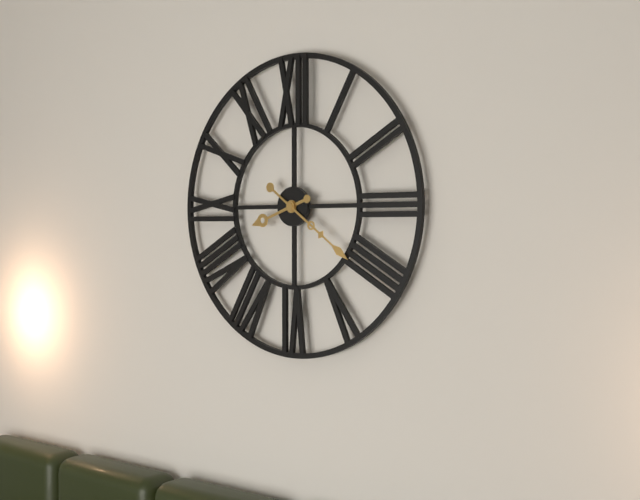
{"hour": 8, "minute": 21}
